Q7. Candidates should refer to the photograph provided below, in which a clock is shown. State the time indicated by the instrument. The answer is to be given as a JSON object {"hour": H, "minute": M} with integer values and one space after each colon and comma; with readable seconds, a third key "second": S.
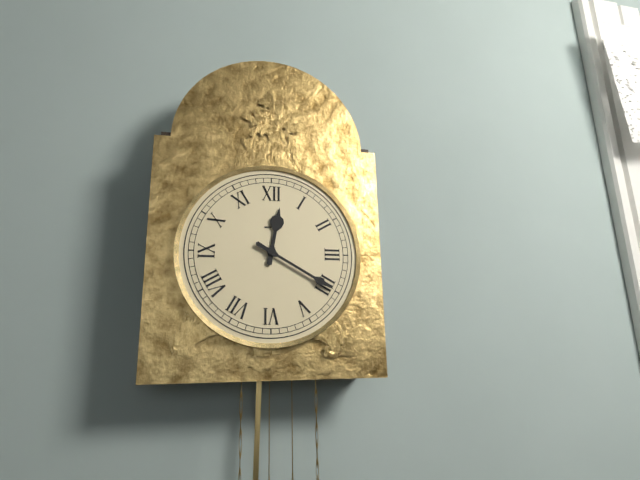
{"hour": 12, "minute": 20}
